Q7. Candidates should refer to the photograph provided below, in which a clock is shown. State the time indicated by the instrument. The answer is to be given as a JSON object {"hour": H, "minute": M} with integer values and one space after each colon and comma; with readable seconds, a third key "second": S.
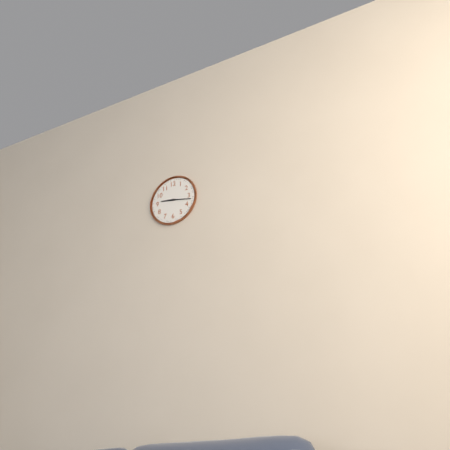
{"hour": 9, "minute": 17}
